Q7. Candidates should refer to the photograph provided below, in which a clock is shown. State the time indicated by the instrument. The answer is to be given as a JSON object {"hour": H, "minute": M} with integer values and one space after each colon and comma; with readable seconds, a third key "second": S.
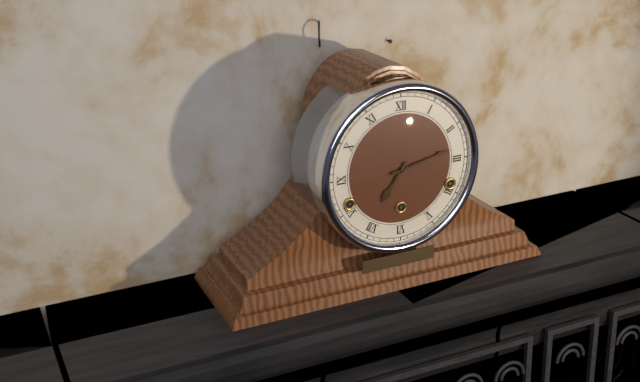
{"hour": 7, "minute": 13}
